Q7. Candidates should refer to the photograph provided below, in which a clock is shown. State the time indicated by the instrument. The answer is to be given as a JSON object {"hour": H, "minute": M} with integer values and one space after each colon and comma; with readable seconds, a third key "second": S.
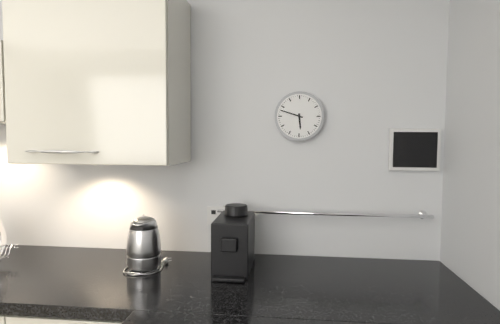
{"hour": 5, "minute": 48}
